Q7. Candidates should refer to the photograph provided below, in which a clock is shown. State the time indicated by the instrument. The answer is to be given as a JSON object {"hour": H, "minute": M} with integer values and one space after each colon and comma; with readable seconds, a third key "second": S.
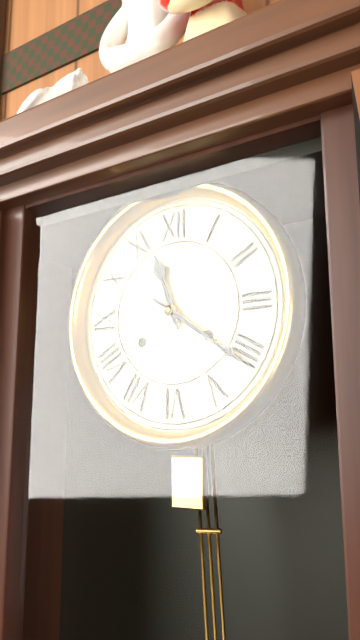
{"hour": 11, "minute": 21}
